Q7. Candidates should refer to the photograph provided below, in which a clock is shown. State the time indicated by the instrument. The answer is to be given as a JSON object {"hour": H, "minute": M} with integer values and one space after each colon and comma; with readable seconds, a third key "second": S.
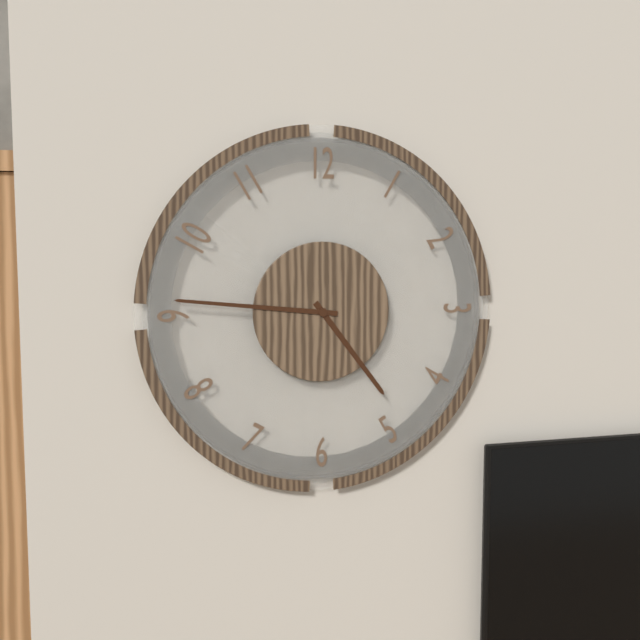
{"hour": 4, "minute": 46}
